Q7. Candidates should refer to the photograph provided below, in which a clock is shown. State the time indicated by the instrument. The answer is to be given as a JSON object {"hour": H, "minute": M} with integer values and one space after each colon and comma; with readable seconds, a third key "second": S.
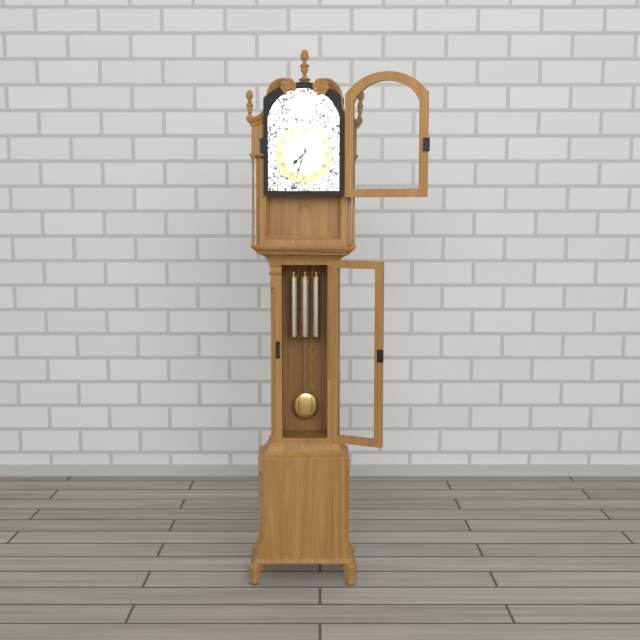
{"hour": 7, "minute": 33}
